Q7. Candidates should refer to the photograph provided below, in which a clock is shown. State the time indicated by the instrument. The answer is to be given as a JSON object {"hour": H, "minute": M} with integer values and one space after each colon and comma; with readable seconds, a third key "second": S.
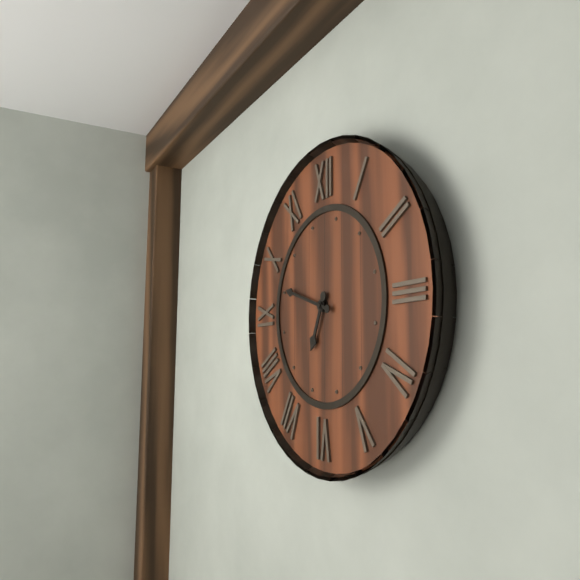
{"hour": 6, "minute": 48}
